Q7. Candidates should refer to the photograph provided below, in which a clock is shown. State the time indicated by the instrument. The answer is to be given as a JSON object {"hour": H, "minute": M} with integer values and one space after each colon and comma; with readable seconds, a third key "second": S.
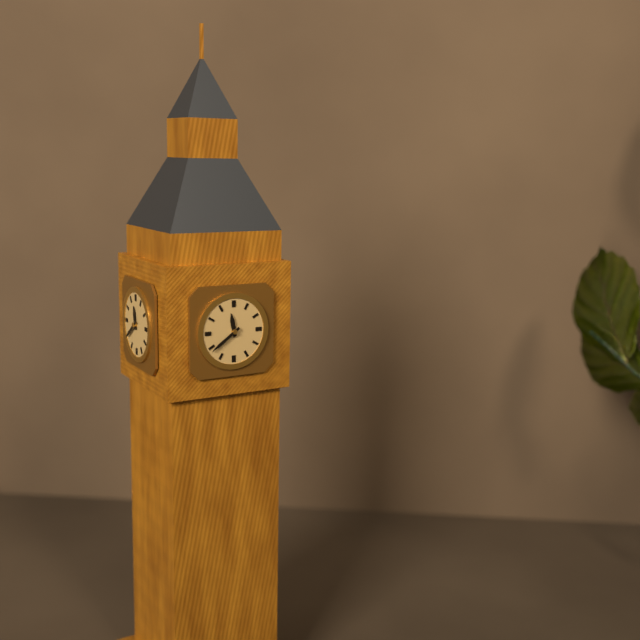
{"hour": 11, "minute": 39}
